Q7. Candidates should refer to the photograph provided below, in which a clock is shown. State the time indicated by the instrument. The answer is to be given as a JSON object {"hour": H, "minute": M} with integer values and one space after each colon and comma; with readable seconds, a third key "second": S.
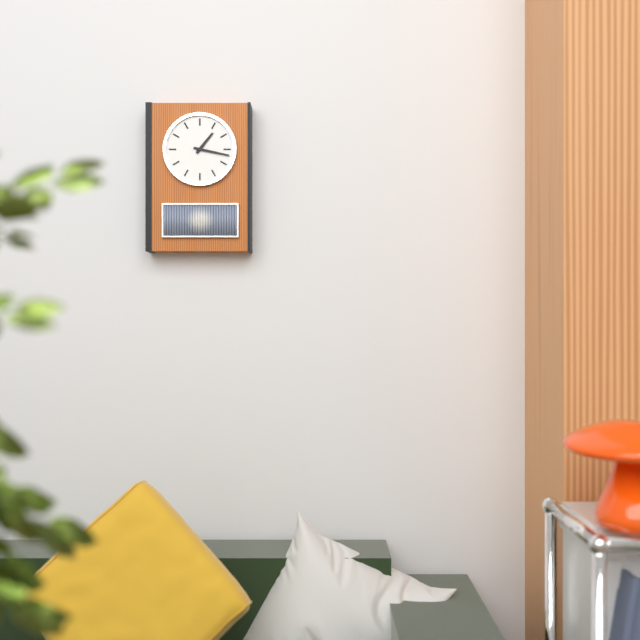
{"hour": 1, "minute": 17}
